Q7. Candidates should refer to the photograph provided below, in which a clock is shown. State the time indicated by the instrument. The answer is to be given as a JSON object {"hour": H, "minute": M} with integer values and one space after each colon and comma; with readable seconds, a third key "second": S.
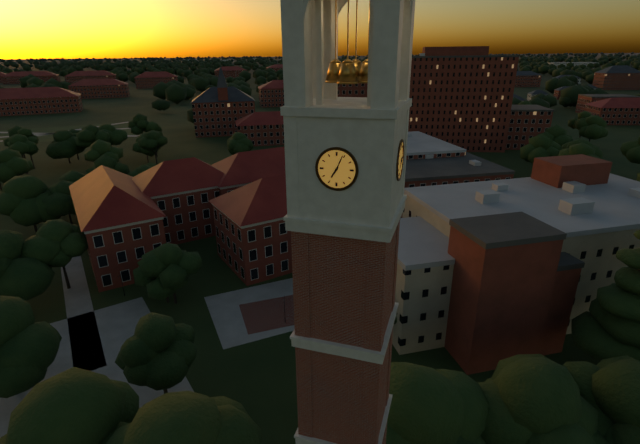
{"hour": 7, "minute": 4}
